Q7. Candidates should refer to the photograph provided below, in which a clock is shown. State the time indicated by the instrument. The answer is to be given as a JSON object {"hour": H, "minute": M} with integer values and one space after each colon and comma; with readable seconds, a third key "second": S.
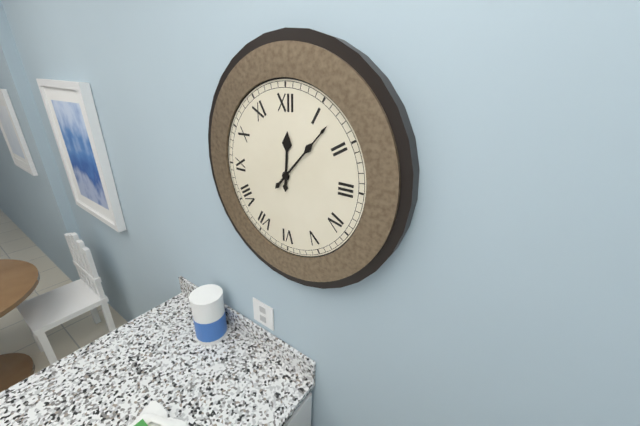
{"hour": 12, "minute": 7}
